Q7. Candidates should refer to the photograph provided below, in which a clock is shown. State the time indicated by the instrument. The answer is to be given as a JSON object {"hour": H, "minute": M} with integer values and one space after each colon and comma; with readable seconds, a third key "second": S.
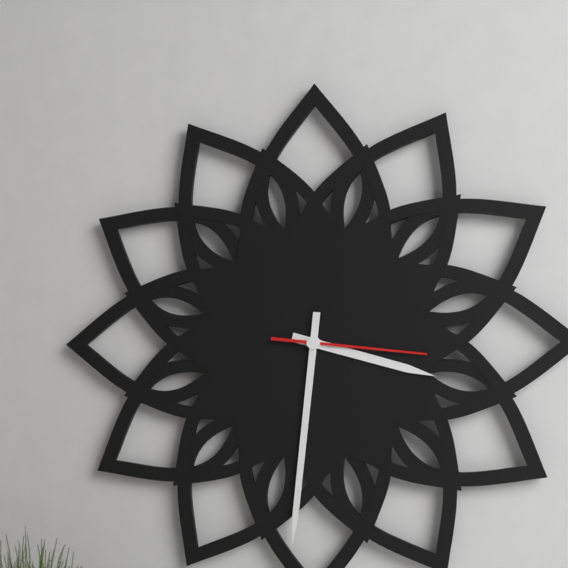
{"hour": 3, "minute": 31, "second": 16}
